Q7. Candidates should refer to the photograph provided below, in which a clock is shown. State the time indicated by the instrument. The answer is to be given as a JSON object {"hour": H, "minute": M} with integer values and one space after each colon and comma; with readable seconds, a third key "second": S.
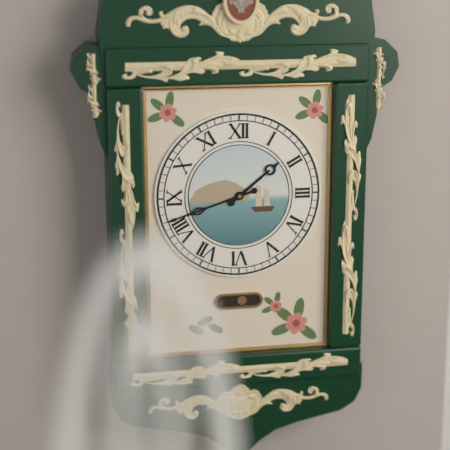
{"hour": 1, "minute": 42}
